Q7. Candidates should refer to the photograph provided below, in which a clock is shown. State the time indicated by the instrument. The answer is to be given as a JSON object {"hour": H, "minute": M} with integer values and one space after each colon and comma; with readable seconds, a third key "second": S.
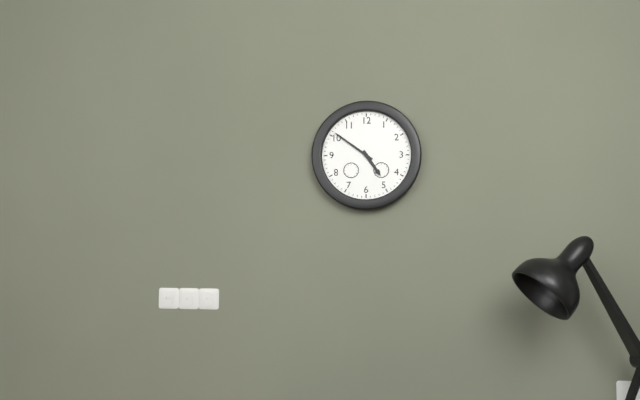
{"hour": 4, "minute": 51}
